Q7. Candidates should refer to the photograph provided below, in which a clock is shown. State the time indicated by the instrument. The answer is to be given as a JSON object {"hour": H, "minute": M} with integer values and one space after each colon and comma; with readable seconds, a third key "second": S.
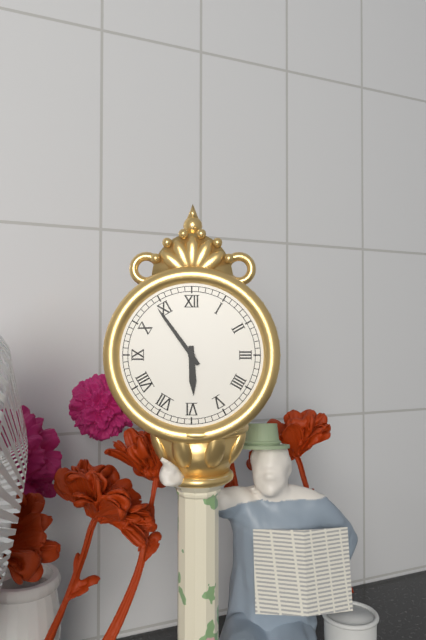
{"hour": 5, "minute": 54}
